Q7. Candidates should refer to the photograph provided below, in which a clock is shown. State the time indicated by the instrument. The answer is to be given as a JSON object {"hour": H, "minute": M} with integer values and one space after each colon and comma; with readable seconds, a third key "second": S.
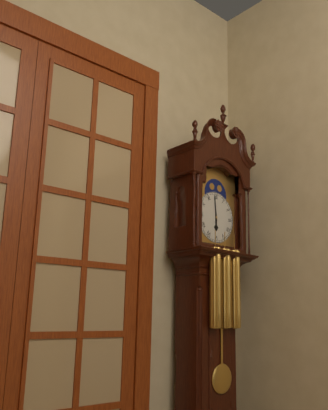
{"hour": 5, "minute": 59}
